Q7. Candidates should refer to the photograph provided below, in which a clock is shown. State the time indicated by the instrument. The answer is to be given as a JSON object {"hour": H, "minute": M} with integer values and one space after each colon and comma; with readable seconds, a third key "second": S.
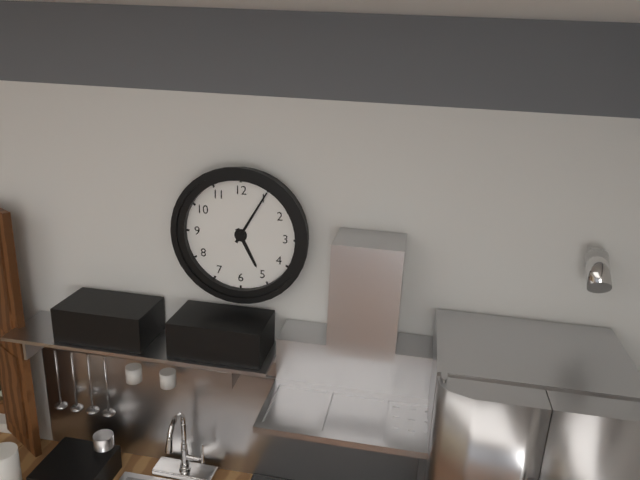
{"hour": 5, "minute": 5}
